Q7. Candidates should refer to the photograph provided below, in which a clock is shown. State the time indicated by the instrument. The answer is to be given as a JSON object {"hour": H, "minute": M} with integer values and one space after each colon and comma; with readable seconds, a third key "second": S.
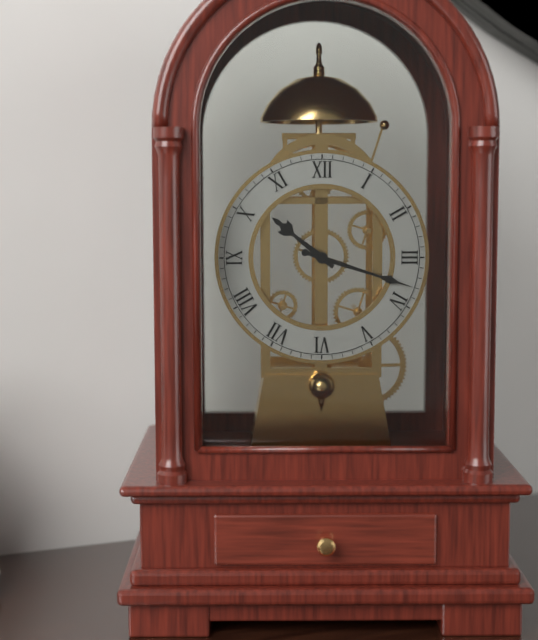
{"hour": 10, "minute": 18}
